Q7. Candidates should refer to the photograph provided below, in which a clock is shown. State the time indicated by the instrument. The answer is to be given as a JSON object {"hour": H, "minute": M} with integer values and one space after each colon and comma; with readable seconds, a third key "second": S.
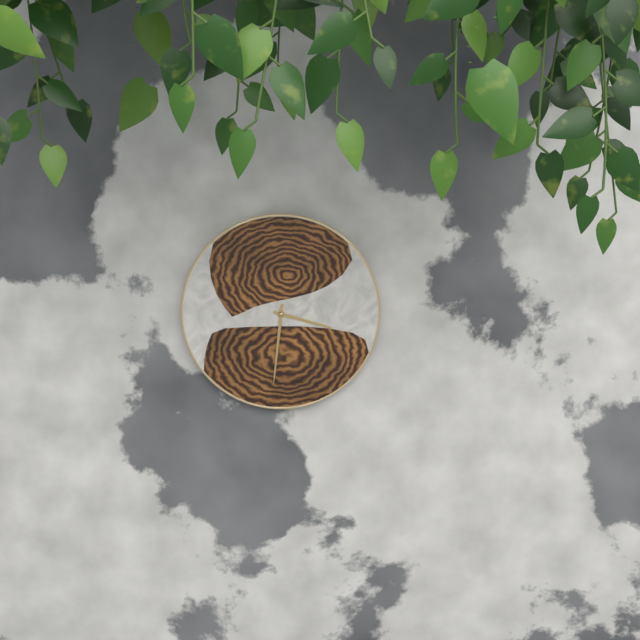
{"hour": 3, "minute": 31}
